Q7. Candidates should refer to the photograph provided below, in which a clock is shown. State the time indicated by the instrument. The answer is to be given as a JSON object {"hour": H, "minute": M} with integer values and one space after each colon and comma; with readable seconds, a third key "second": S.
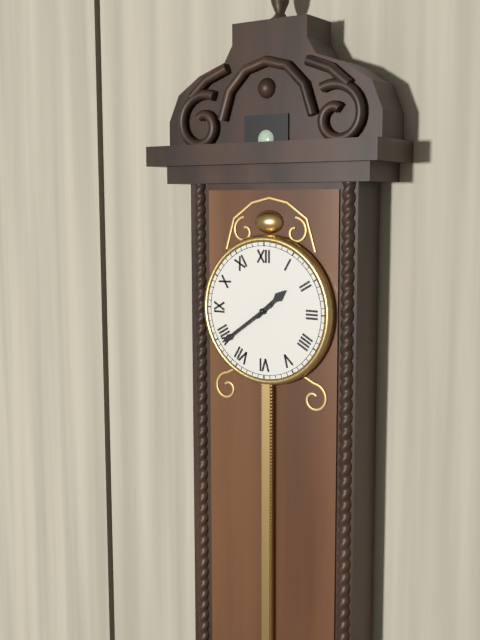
{"hour": 1, "minute": 39}
